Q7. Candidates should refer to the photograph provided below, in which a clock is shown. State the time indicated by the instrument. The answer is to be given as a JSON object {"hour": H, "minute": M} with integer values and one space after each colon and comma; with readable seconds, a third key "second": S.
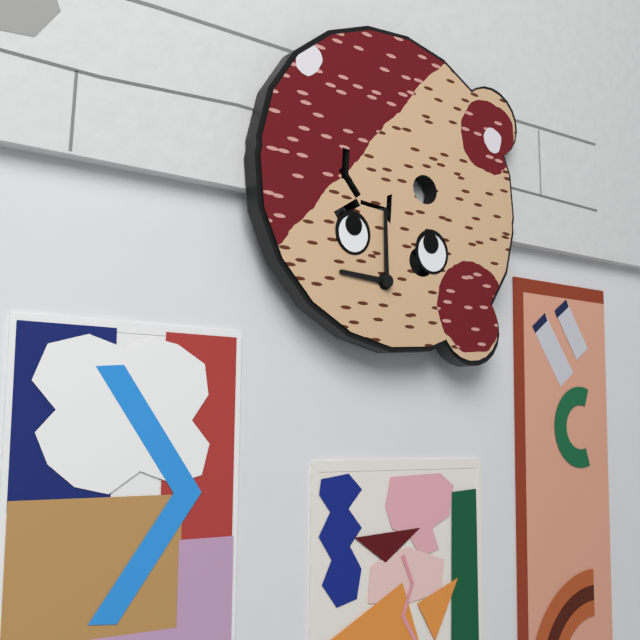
{"hour": 8, "minute": 59}
